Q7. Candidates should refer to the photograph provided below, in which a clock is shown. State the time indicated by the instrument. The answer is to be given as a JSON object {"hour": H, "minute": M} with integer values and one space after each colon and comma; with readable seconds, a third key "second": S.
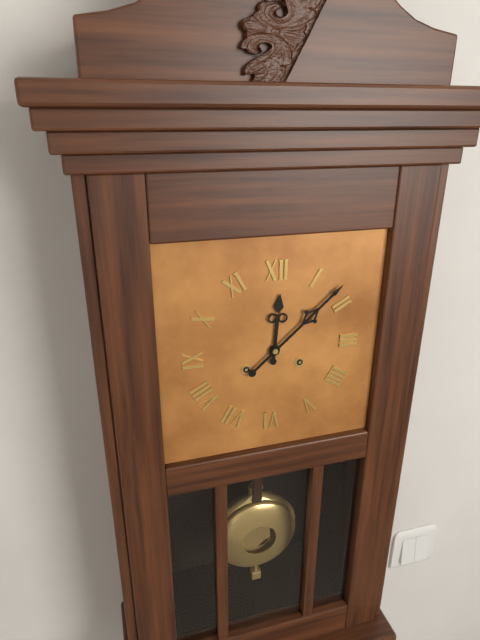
{"hour": 12, "minute": 8}
